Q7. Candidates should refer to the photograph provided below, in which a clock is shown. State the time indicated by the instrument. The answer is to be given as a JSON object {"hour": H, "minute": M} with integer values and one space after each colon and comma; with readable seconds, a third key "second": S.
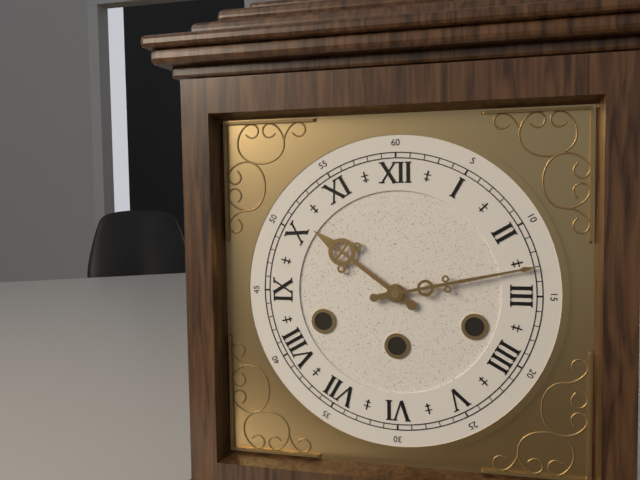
{"hour": 10, "minute": 13}
